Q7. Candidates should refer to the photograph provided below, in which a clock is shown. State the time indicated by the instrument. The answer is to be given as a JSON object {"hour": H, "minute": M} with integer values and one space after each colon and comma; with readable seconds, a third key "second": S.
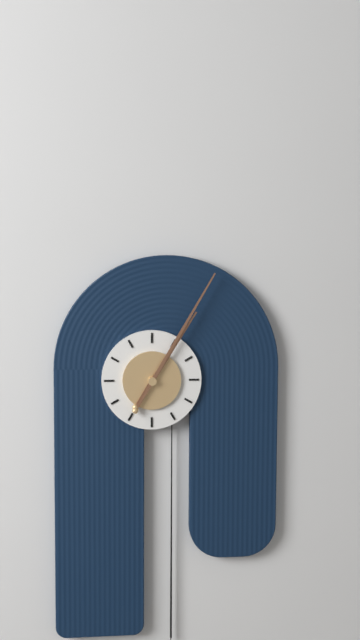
{"hour": 1, "minute": 5}
